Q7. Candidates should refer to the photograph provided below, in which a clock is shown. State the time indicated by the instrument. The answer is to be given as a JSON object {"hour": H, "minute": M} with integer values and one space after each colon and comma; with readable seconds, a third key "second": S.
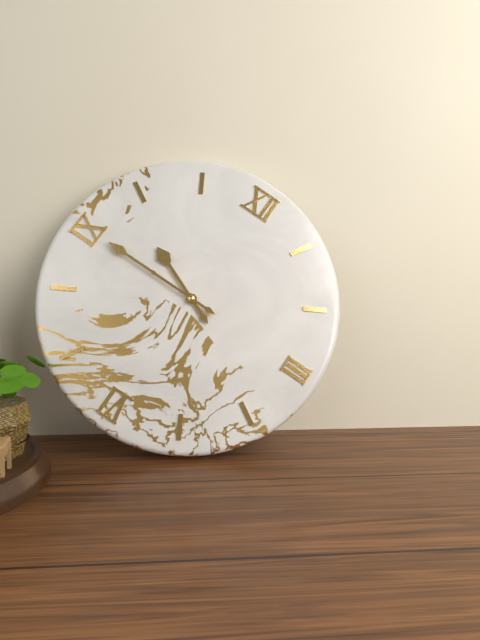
{"hour": 9, "minute": 45}
